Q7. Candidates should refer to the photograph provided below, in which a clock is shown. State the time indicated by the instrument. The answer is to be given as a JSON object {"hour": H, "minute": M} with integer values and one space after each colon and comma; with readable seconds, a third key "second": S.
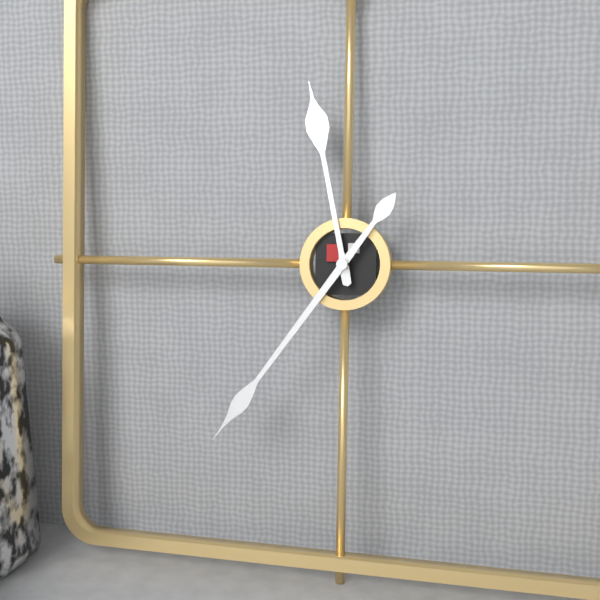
{"hour": 11, "minute": 36}
